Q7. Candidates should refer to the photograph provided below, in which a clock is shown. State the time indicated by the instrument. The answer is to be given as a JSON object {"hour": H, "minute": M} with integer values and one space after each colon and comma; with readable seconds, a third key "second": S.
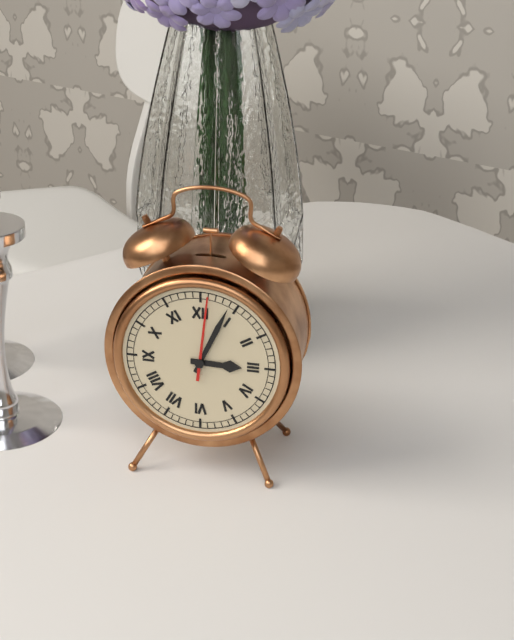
{"hour": 3, "minute": 4, "second": 1}
